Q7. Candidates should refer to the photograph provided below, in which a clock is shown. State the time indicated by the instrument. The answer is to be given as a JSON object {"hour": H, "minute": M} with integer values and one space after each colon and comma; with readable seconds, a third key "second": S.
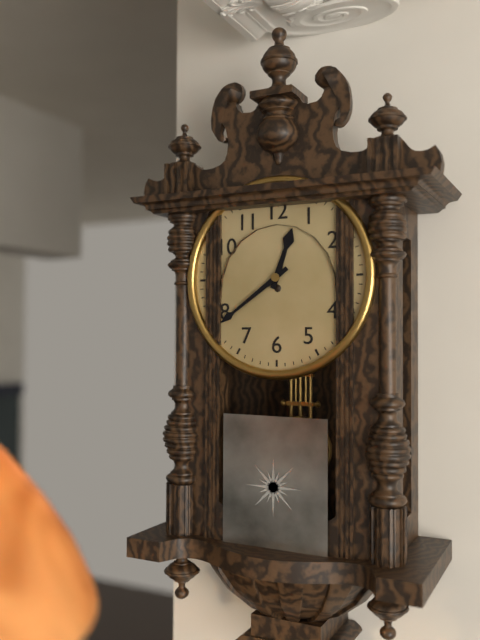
{"hour": 12, "minute": 39}
